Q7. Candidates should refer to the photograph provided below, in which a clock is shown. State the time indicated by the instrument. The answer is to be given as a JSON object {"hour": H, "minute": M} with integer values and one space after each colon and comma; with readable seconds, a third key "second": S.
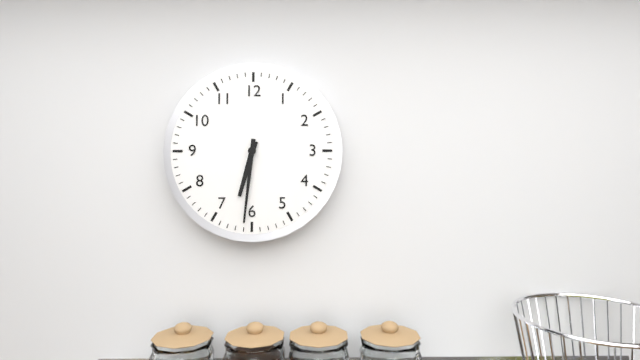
{"hour": 6, "minute": 31}
